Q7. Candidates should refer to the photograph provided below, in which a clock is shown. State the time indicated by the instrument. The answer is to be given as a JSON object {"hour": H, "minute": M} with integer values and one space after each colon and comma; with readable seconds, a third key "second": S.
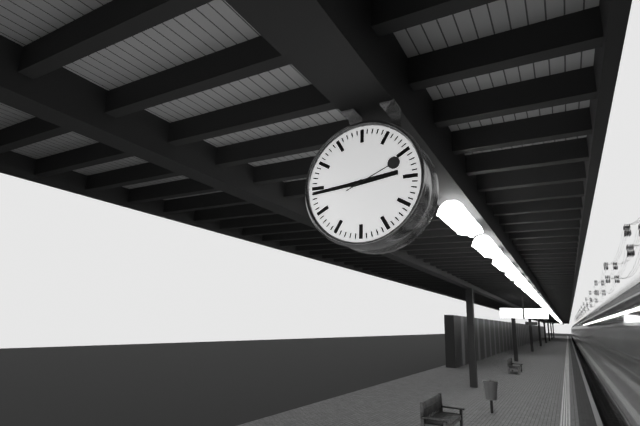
{"hour": 2, "minute": 44, "second": 11}
